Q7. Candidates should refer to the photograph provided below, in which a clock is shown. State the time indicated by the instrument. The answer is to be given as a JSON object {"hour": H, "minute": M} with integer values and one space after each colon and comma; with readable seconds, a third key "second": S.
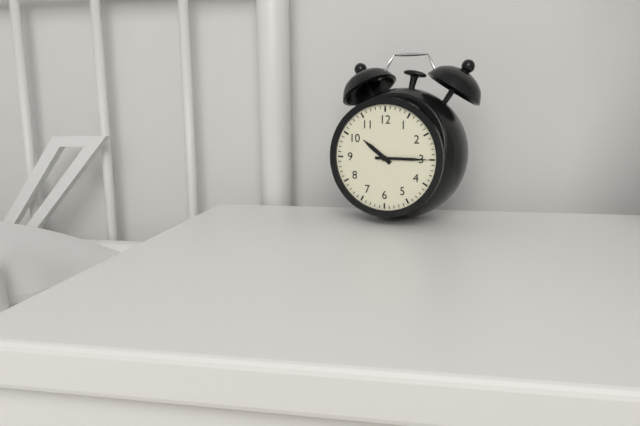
{"hour": 10, "minute": 15}
